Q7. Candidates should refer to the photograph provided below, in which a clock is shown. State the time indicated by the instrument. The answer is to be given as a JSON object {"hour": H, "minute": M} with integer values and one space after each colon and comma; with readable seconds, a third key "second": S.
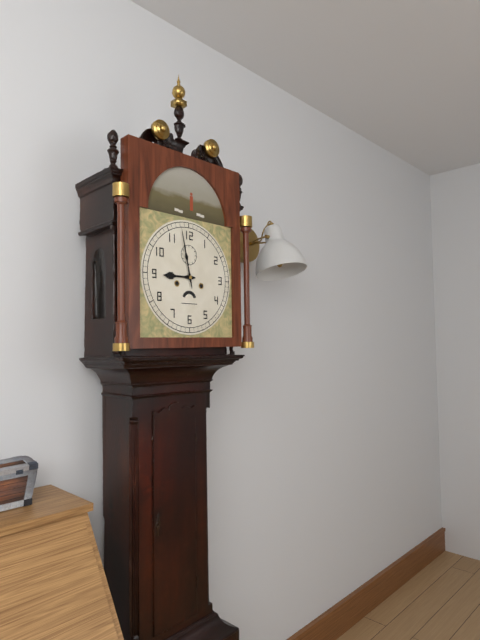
{"hour": 8, "minute": 58}
